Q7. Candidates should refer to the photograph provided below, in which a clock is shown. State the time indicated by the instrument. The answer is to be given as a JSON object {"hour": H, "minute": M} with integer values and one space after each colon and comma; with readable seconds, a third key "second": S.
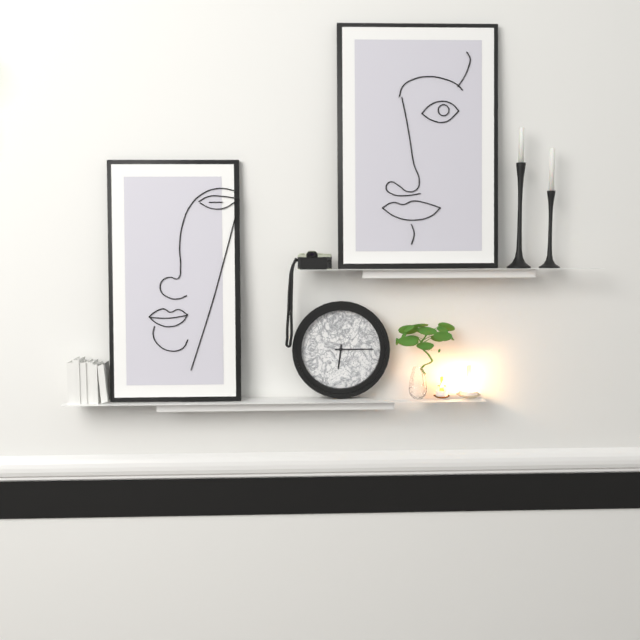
{"hour": 6, "minute": 15}
